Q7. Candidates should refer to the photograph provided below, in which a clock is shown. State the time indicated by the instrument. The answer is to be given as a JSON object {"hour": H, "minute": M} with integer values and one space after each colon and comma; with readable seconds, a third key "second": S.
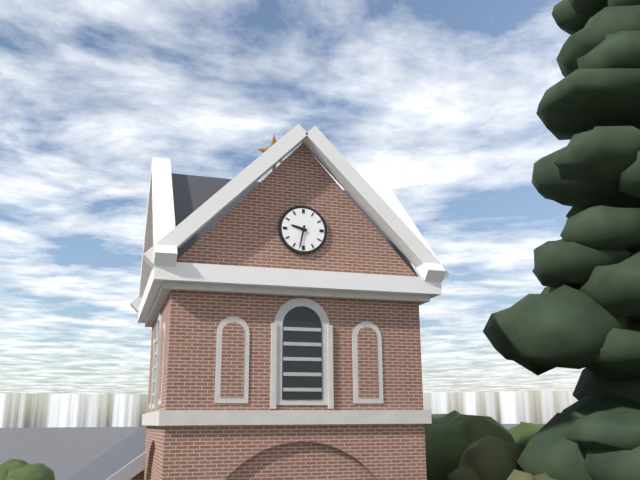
{"hour": 9, "minute": 32}
